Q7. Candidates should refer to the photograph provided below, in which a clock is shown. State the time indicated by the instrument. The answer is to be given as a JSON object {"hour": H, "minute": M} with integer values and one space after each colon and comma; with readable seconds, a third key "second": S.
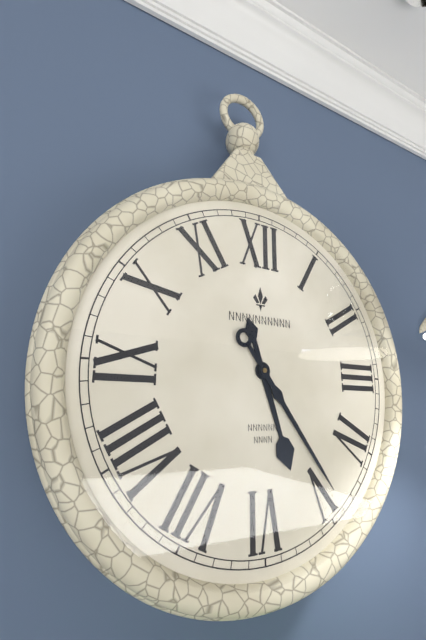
{"hour": 5, "minute": 24}
